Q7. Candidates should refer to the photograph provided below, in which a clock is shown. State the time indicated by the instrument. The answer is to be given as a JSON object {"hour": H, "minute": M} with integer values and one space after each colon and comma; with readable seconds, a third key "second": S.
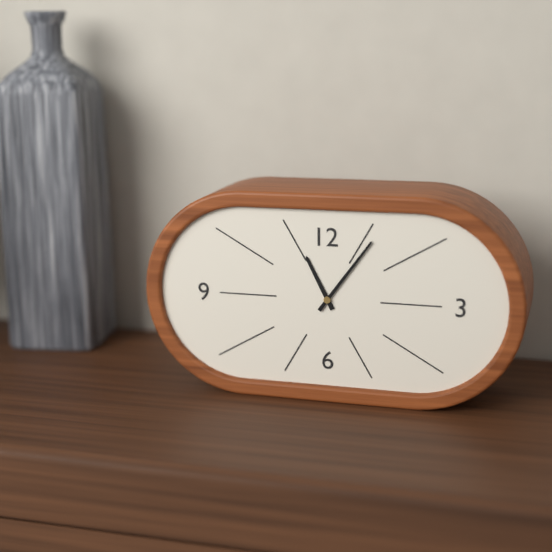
{"hour": 11, "minute": 6}
